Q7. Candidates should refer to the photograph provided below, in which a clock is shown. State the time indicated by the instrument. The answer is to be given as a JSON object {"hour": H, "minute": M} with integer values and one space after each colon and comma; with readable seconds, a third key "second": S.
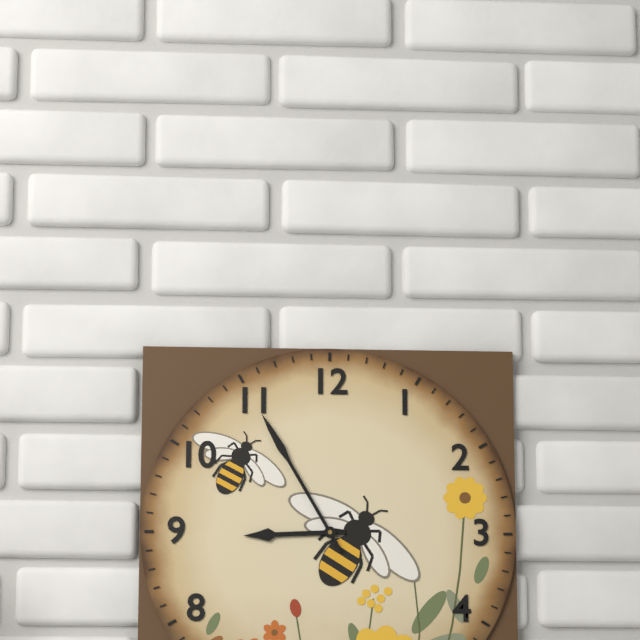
{"hour": 8, "minute": 55}
